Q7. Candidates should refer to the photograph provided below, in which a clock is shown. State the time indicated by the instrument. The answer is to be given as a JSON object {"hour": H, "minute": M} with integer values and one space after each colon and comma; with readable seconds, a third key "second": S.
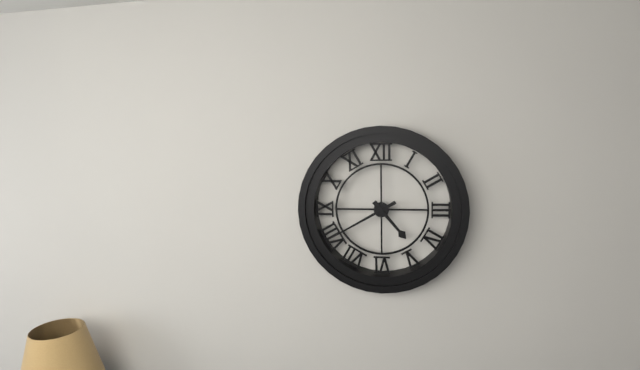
{"hour": 4, "minute": 40}
